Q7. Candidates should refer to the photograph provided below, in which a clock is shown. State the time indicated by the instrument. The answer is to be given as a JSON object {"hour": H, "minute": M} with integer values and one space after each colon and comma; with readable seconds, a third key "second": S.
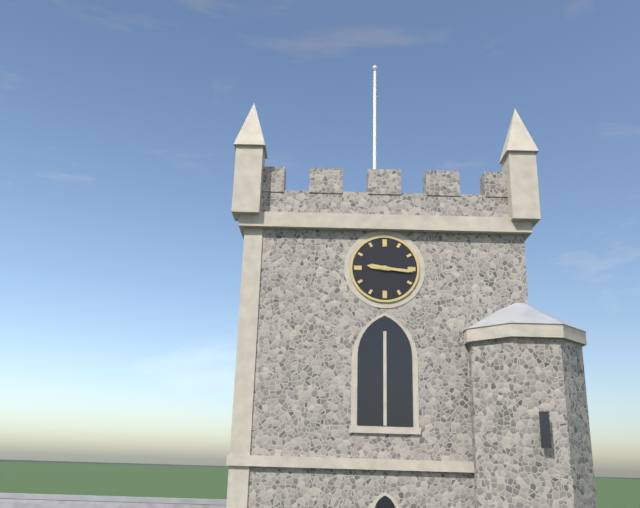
{"hour": 9, "minute": 16}
